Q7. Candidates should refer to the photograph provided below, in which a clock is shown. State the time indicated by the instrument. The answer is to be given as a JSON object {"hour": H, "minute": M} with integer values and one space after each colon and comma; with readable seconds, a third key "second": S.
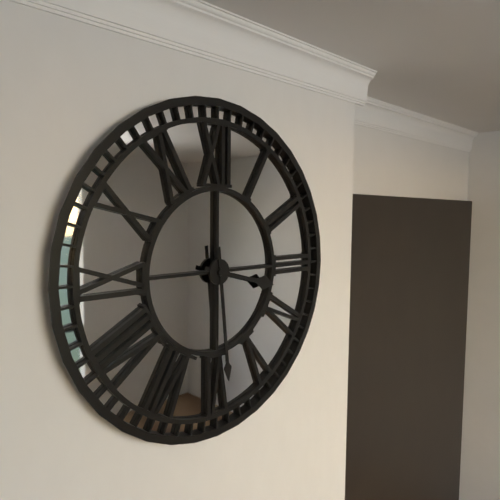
{"hour": 3, "minute": 29}
